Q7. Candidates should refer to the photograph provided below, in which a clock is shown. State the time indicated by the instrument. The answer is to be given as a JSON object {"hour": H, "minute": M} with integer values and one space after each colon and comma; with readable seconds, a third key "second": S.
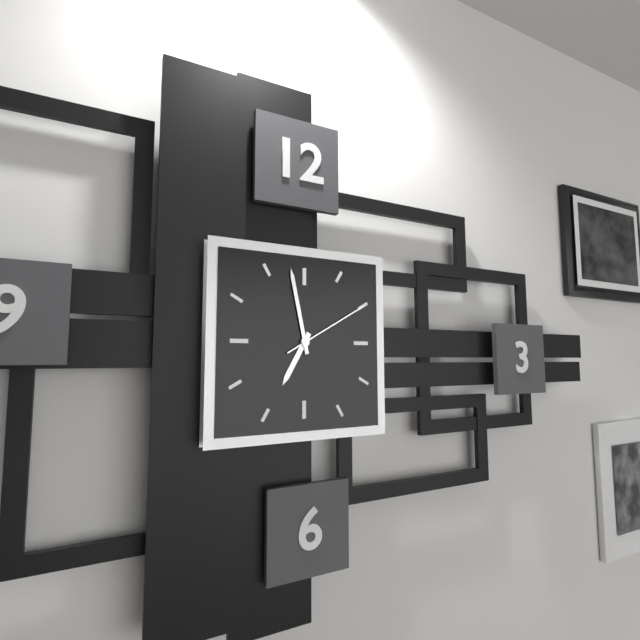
{"hour": 6, "minute": 58, "second": 10}
